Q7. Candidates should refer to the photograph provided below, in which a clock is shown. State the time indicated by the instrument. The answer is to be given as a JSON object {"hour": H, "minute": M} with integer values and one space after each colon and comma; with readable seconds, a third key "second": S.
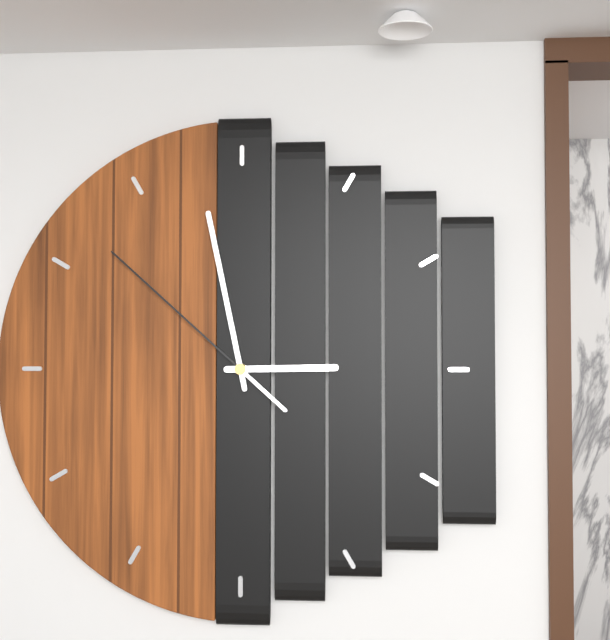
{"hour": 2, "minute": 58, "second": 52}
